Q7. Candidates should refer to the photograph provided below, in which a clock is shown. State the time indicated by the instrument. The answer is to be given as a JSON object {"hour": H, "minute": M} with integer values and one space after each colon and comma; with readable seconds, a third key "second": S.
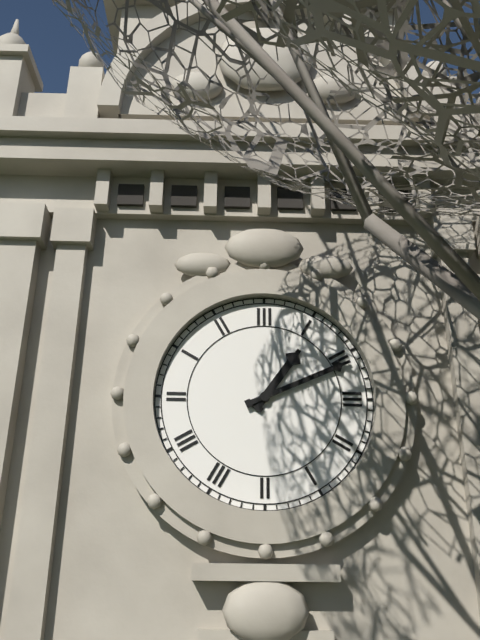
{"hour": 1, "minute": 11}
